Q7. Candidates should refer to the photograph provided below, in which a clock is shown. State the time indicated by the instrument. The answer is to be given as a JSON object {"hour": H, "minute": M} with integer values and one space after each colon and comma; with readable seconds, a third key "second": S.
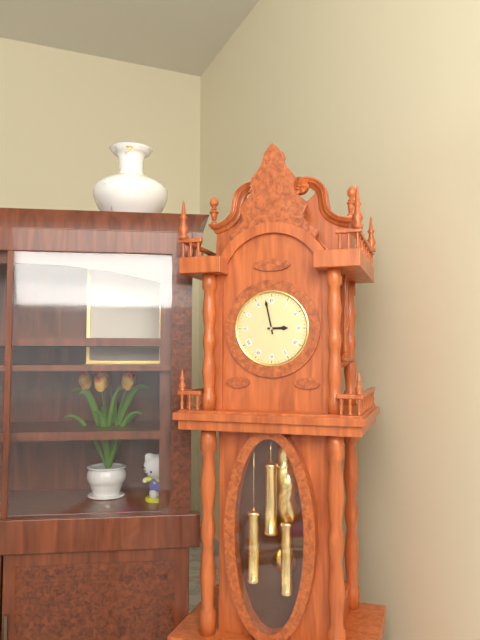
{"hour": 2, "minute": 58}
